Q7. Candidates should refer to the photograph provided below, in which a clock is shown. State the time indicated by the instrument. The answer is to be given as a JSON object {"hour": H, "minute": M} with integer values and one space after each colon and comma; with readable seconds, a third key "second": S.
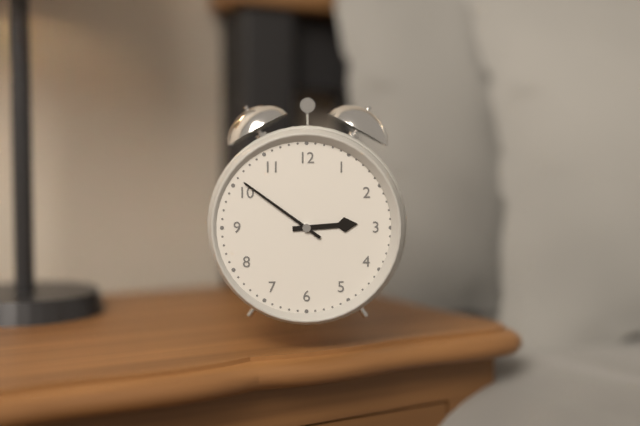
{"hour": 2, "minute": 51}
